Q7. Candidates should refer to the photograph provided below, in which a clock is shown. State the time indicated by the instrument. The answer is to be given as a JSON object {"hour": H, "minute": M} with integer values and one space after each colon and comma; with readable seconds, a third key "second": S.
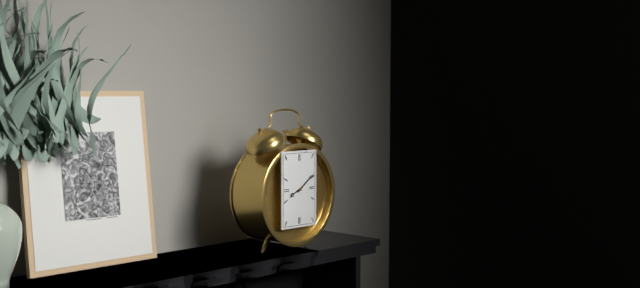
{"hour": 8, "minute": 9}
